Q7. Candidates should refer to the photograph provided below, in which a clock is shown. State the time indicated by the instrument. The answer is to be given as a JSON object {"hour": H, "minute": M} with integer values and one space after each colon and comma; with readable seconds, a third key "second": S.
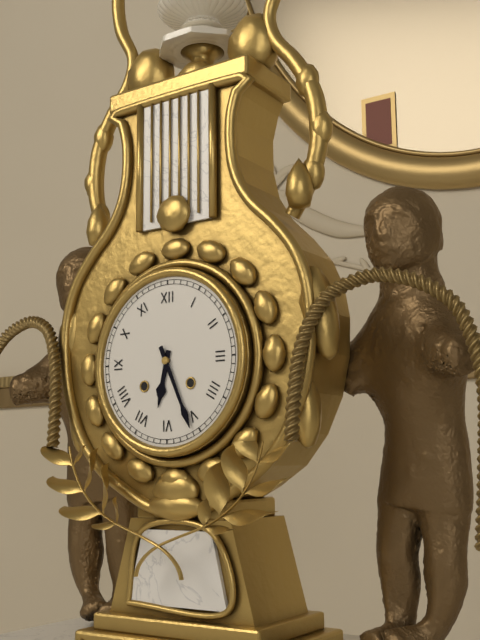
{"hour": 6, "minute": 26}
